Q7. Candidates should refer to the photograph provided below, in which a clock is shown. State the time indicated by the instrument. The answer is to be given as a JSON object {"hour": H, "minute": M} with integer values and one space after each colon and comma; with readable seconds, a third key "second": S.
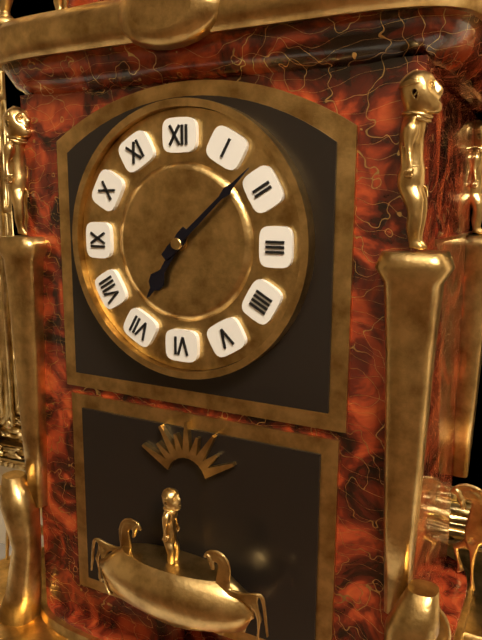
{"hour": 7, "minute": 8}
